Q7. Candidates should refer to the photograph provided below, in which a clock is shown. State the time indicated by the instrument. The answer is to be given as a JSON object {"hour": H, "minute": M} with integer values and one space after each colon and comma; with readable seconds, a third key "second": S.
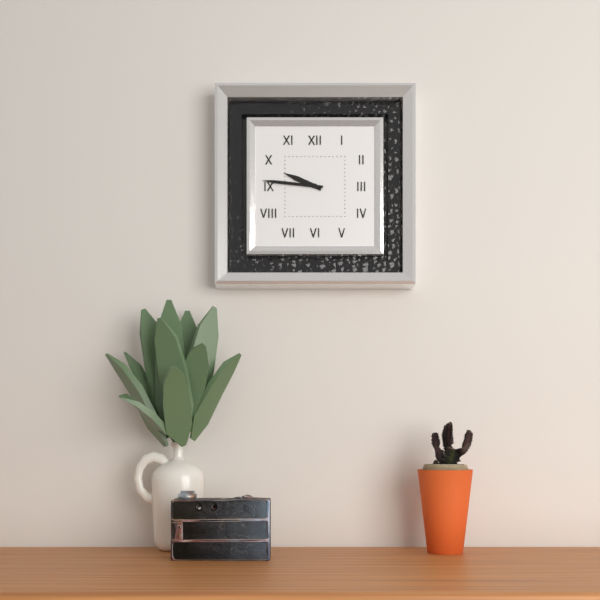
{"hour": 9, "minute": 46}
